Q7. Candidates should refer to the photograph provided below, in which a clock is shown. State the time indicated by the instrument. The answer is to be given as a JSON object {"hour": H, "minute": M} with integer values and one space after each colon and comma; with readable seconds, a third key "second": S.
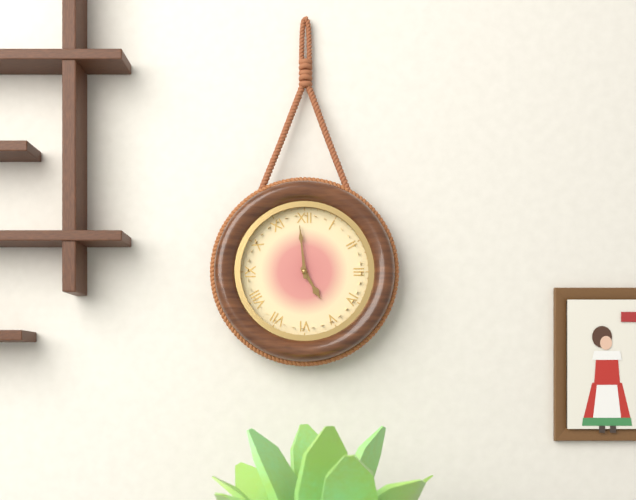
{"hour": 4, "minute": 59}
